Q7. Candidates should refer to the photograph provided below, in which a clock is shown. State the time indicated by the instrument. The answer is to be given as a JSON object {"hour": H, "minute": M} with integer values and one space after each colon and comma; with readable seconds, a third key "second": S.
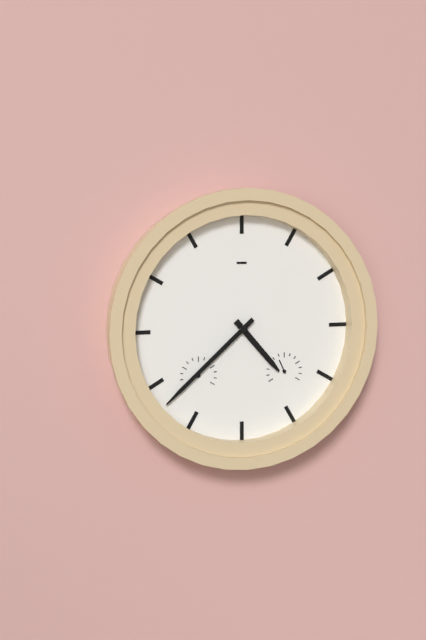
{"hour": 4, "minute": 38}
